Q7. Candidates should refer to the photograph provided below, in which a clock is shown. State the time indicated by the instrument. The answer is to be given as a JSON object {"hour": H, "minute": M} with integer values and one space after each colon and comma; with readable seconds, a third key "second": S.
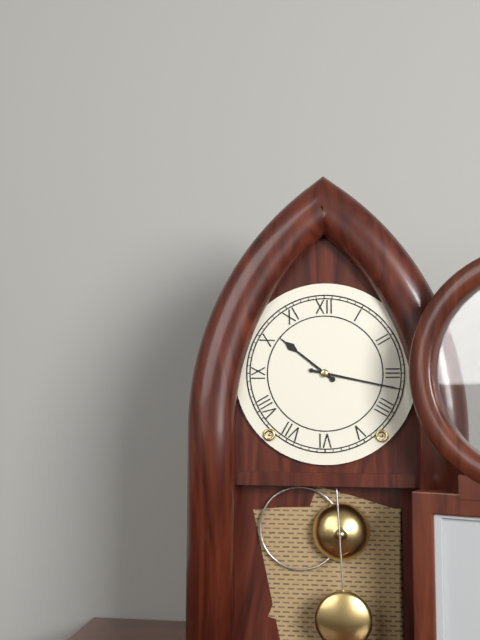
{"hour": 10, "minute": 17}
